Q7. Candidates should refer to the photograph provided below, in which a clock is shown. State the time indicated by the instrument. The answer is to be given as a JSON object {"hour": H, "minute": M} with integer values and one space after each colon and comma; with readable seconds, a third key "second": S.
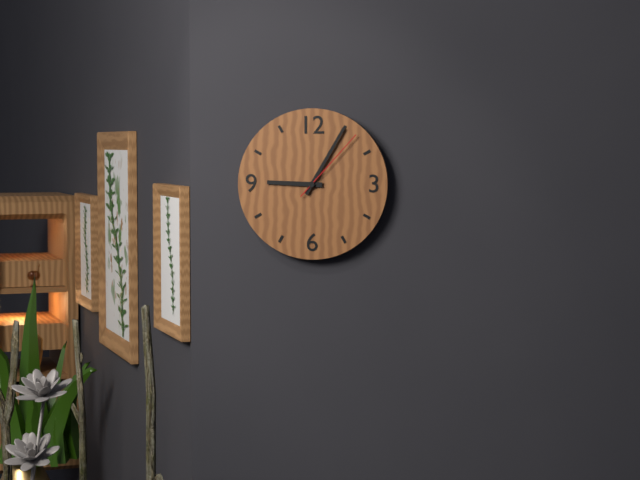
{"hour": 9, "minute": 5, "second": 7}
